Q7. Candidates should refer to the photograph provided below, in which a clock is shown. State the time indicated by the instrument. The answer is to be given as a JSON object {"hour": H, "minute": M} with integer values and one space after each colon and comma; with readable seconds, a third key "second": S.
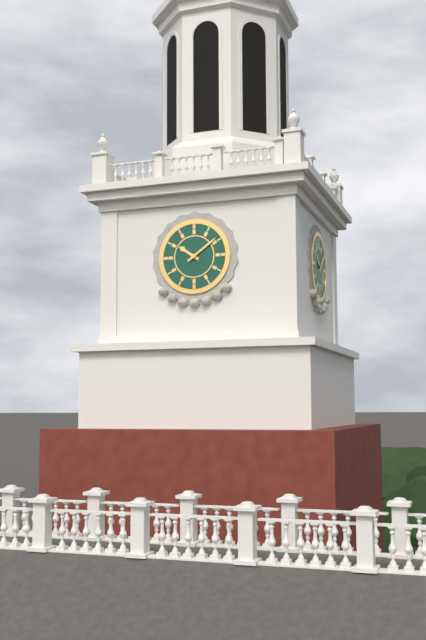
{"hour": 10, "minute": 9}
